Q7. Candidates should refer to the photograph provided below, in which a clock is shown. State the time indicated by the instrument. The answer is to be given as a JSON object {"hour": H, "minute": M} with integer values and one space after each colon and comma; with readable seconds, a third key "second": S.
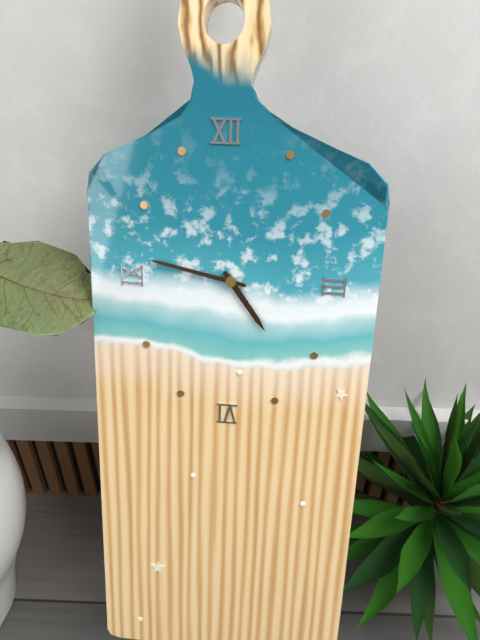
{"hour": 4, "minute": 47}
